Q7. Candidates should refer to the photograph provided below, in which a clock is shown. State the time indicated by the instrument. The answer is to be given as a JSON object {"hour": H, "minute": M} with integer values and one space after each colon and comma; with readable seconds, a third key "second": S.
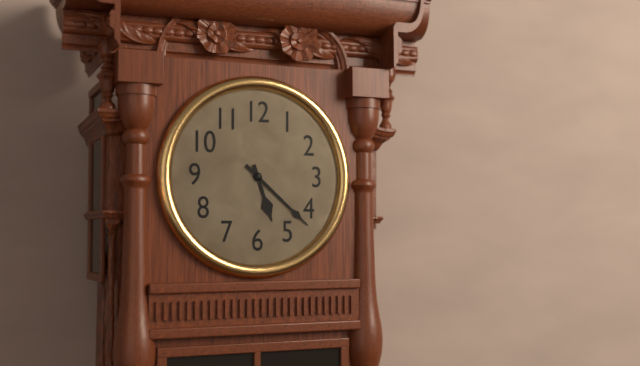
{"hour": 5, "minute": 22}
